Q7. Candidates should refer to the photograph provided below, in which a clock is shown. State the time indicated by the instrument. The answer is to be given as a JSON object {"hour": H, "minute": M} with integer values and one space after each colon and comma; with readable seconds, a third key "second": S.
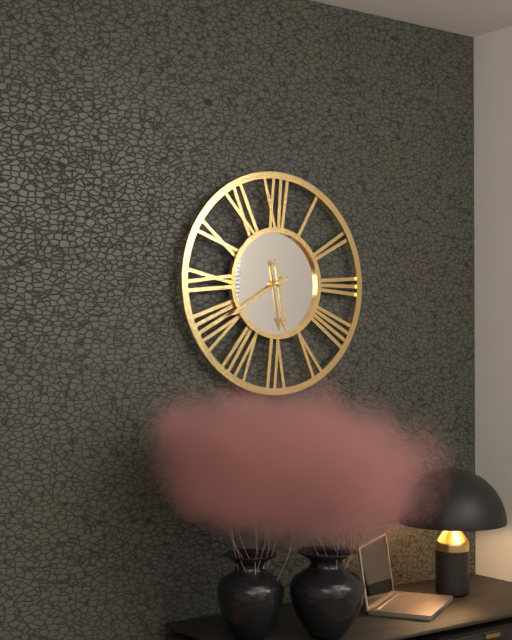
{"hour": 5, "minute": 40}
